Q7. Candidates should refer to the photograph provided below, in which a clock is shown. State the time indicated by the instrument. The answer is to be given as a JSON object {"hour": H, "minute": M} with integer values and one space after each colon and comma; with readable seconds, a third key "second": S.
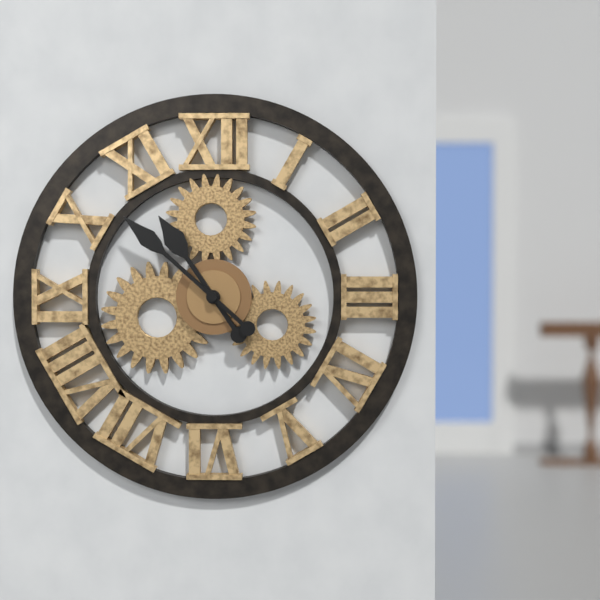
{"hour": 10, "minute": 52}
